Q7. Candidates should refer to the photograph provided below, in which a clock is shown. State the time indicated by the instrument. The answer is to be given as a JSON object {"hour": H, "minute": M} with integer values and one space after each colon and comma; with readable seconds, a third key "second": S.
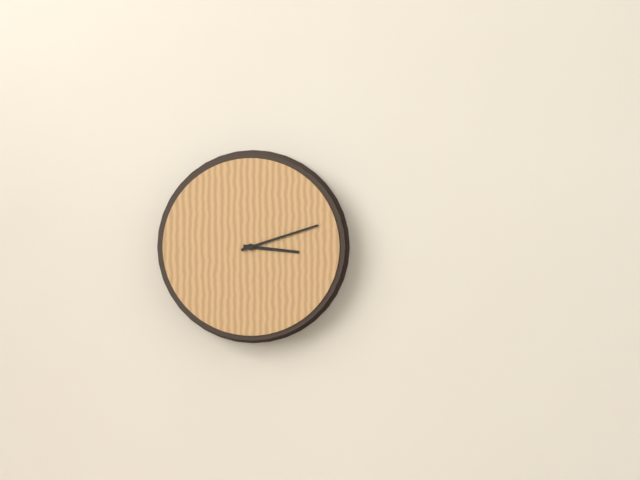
{"hour": 3, "minute": 12}
